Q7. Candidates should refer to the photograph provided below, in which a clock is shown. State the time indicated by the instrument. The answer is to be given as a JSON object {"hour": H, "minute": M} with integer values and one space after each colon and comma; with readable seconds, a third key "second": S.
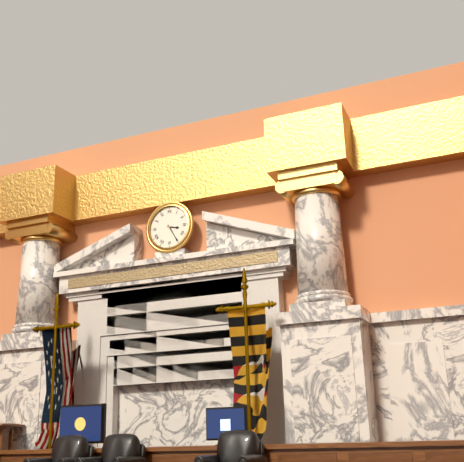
{"hour": 3, "minute": 25}
